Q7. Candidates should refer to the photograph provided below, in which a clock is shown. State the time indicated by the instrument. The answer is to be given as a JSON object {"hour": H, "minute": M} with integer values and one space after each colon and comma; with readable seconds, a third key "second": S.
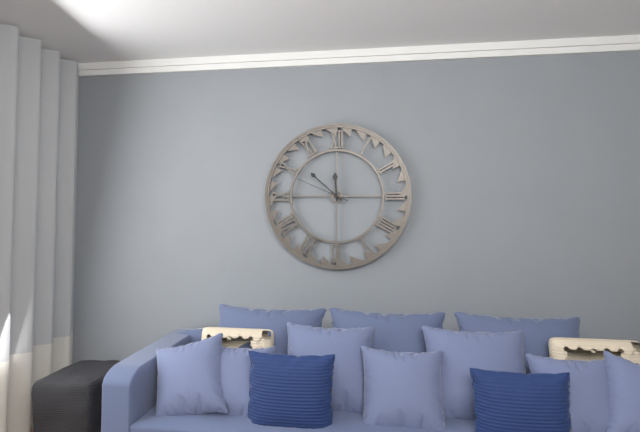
{"hour": 11, "minute": 52, "second": 49}
